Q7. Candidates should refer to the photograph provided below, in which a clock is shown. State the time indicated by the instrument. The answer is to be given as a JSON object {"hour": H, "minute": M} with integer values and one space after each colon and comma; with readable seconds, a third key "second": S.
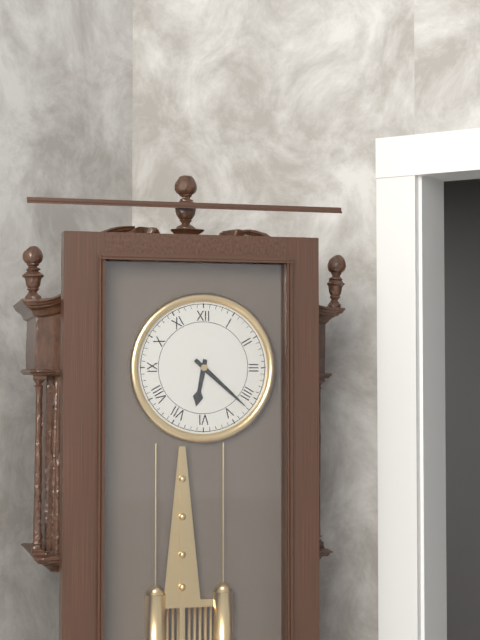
{"hour": 6, "minute": 22}
